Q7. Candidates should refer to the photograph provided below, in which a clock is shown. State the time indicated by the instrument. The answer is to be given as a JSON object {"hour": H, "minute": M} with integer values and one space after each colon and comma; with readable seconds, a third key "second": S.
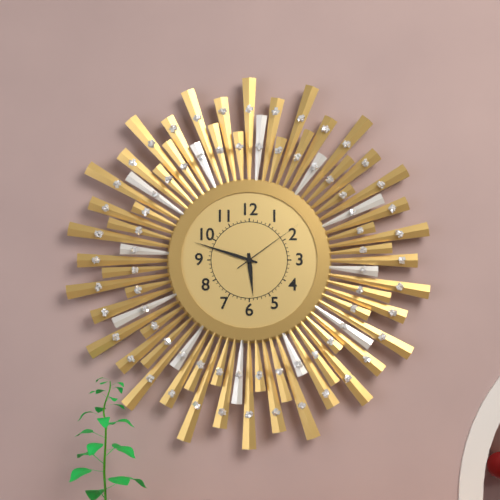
{"hour": 5, "minute": 48, "second": 9}
